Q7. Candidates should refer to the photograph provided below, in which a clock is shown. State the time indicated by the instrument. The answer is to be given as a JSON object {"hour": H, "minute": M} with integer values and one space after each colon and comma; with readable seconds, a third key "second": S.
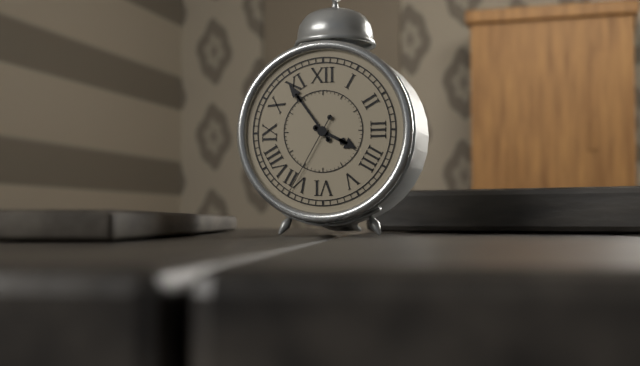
{"hour": 3, "minute": 54, "second": 35}
